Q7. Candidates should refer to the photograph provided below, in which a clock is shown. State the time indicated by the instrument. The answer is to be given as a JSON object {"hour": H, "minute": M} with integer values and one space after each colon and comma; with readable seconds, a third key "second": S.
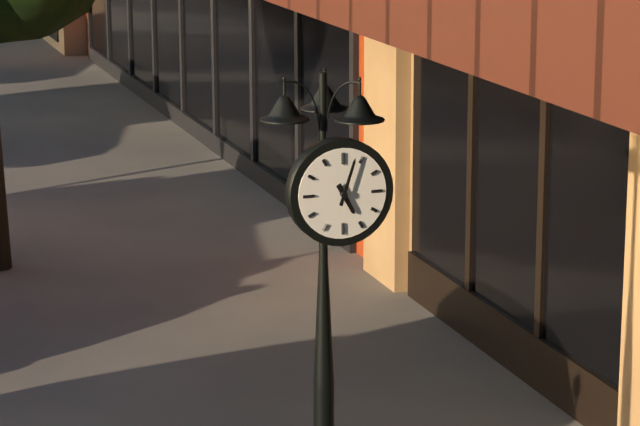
{"hour": 5, "minute": 3}
